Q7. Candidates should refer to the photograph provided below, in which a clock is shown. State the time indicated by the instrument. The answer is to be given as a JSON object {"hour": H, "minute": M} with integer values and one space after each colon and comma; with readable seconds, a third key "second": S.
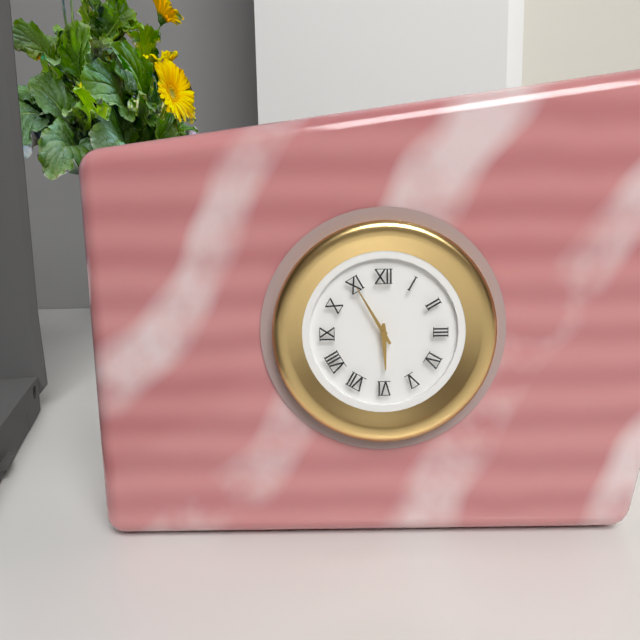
{"hour": 5, "minute": 55}
